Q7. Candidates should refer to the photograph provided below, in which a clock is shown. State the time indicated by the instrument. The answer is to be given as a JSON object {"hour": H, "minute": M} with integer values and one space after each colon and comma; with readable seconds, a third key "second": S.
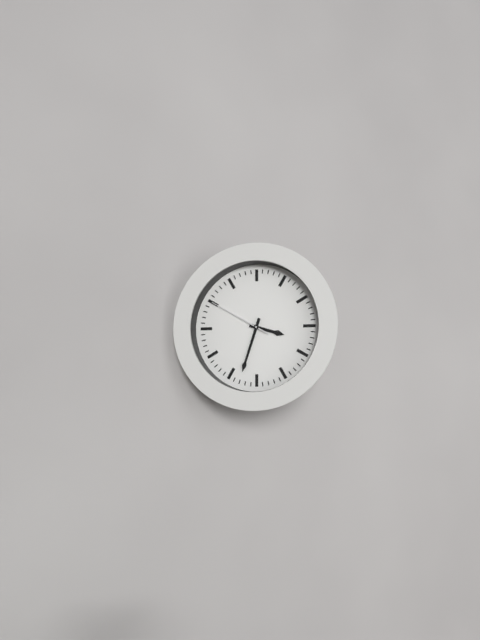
{"hour": 3, "minute": 33, "second": 50}
